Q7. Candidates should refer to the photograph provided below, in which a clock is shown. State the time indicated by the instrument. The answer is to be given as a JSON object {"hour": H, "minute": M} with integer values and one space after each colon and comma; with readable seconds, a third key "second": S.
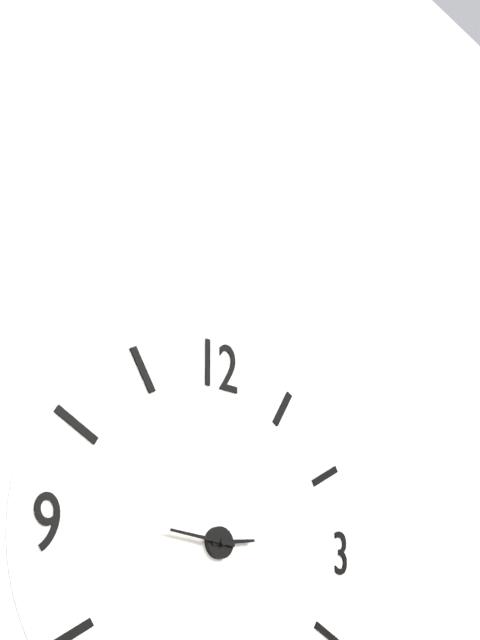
{"hour": 2, "minute": 46}
